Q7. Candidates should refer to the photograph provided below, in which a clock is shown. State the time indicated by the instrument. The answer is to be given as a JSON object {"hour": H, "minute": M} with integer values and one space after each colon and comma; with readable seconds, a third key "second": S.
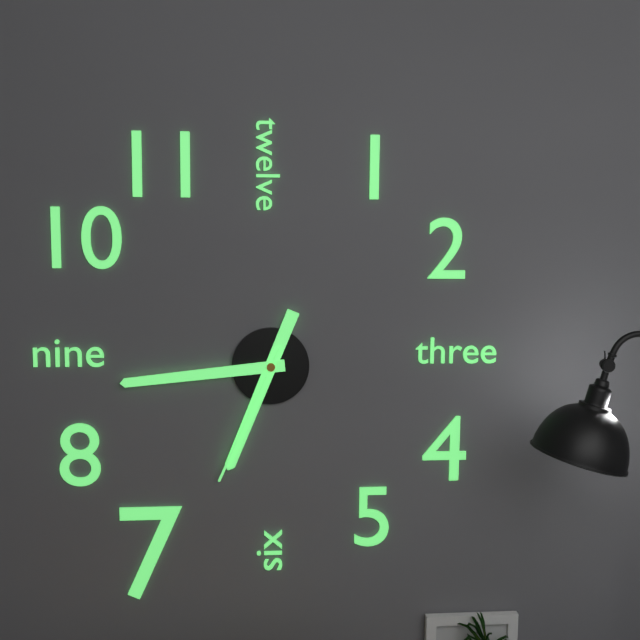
{"hour": 6, "minute": 44, "second": 34}
